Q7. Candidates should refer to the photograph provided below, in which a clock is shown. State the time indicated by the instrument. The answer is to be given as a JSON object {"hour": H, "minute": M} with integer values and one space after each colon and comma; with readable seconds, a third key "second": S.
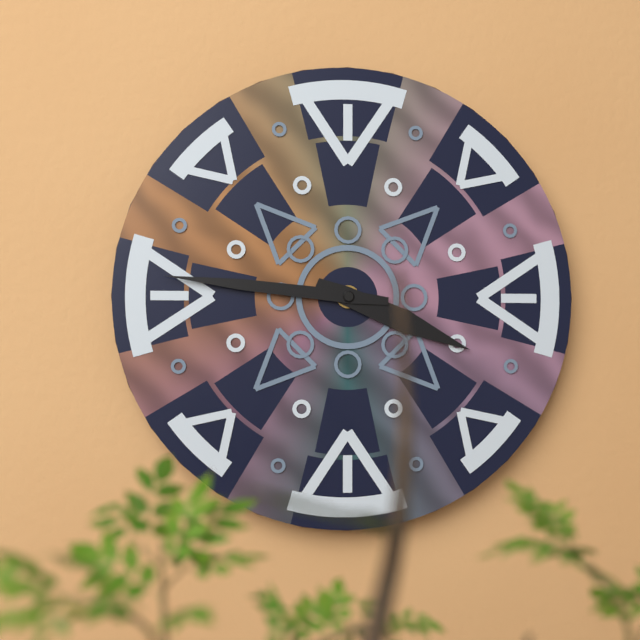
{"hour": 3, "minute": 46}
